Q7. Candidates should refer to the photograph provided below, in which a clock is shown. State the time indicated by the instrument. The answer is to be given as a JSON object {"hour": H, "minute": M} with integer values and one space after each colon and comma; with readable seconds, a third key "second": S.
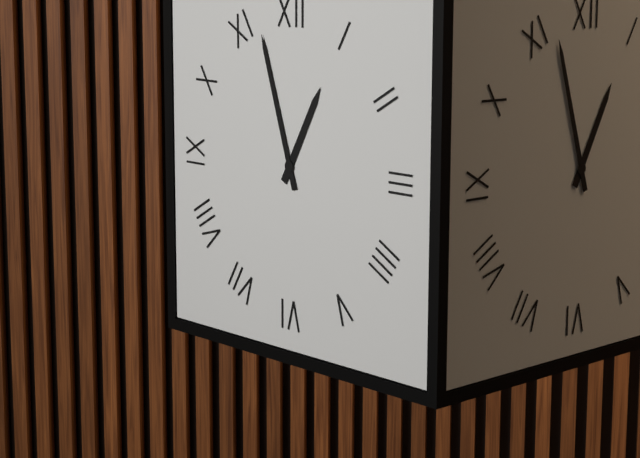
{"hour": 12, "minute": 57}
